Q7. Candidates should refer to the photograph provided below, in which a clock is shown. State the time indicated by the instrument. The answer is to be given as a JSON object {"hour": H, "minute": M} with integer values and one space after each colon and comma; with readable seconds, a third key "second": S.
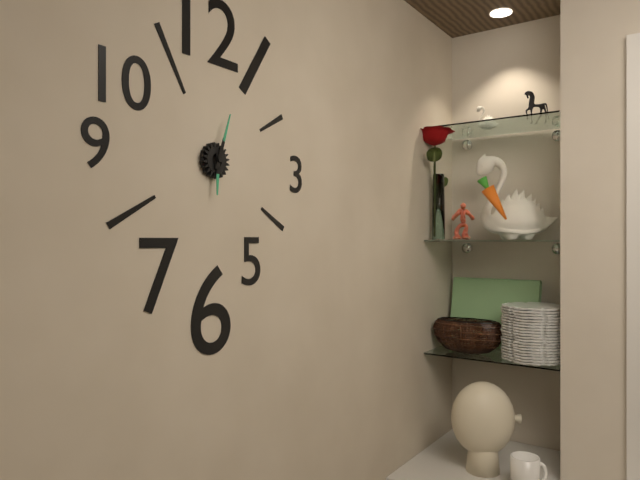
{"hour": 6, "minute": 3}
